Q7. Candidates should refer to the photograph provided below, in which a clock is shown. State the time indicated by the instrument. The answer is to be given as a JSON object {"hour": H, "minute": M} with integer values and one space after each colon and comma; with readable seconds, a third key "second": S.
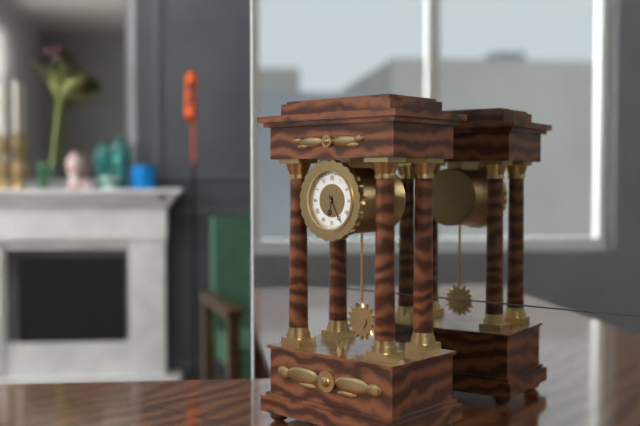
{"hour": 6, "minute": 25}
